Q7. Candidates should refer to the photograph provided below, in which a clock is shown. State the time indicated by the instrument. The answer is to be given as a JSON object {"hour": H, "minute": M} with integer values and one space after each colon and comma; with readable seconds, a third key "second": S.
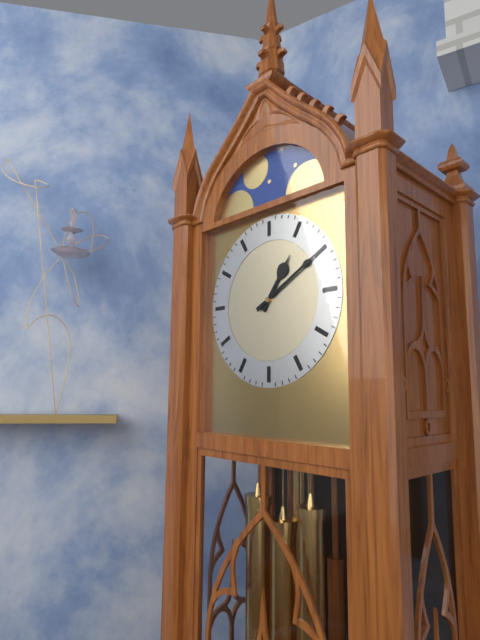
{"hour": 1, "minute": 10}
